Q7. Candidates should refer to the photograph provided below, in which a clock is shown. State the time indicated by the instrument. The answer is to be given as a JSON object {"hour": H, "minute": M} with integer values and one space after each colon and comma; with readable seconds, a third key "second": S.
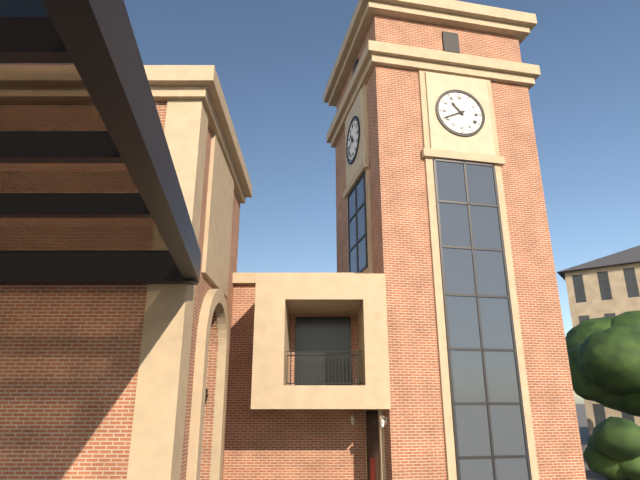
{"hour": 10, "minute": 41}
